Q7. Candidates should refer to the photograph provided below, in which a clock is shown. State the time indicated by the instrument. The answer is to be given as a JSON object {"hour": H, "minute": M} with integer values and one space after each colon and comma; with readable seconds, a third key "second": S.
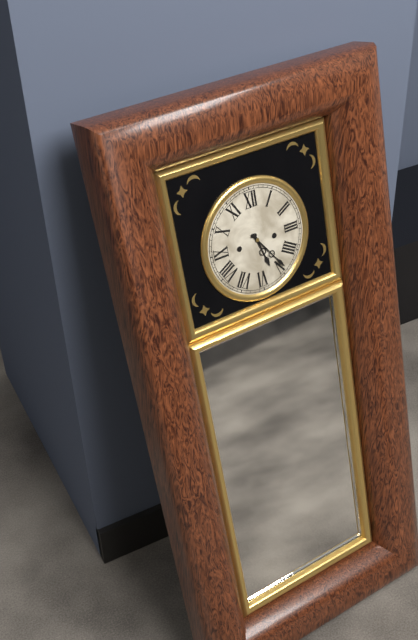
{"hour": 5, "minute": 24}
